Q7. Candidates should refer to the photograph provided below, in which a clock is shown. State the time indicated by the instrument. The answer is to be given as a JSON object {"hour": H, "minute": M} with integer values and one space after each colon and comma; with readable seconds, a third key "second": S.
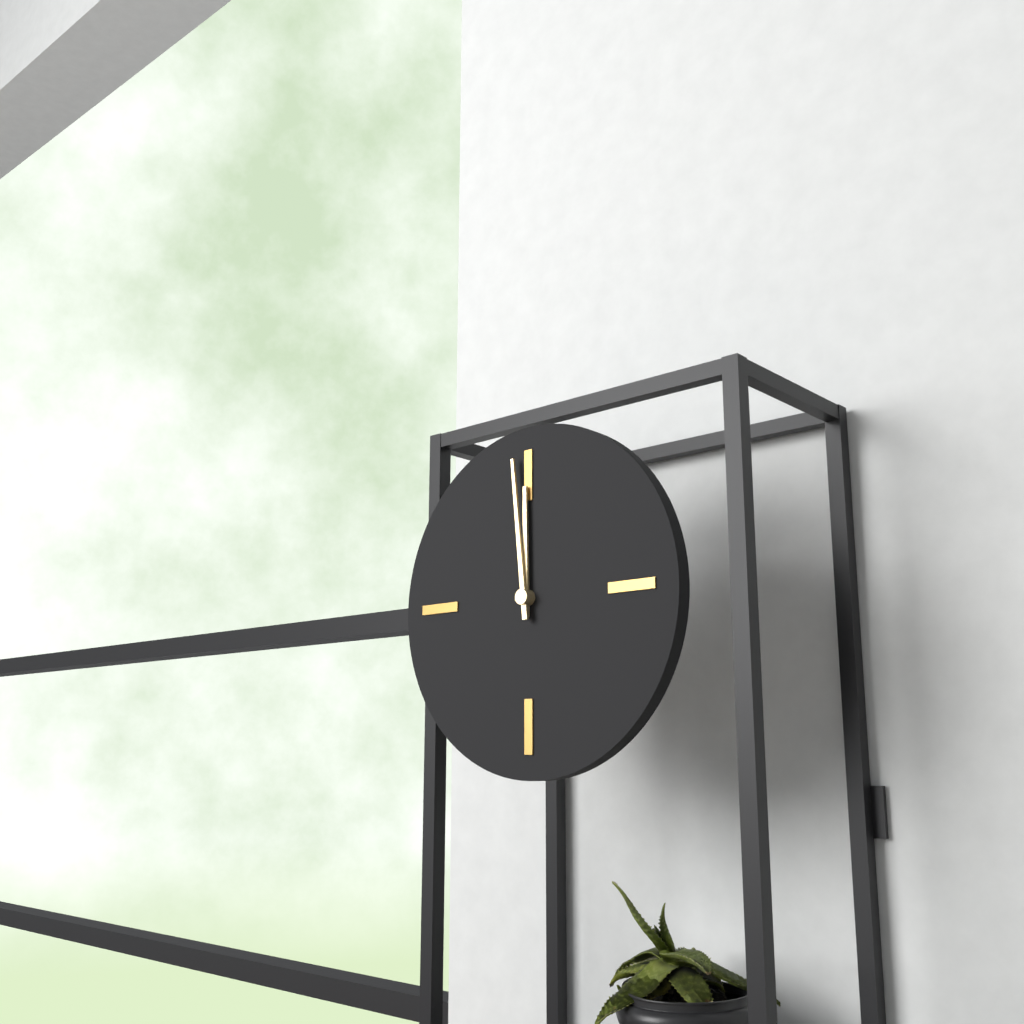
{"hour": 11, "minute": 59}
